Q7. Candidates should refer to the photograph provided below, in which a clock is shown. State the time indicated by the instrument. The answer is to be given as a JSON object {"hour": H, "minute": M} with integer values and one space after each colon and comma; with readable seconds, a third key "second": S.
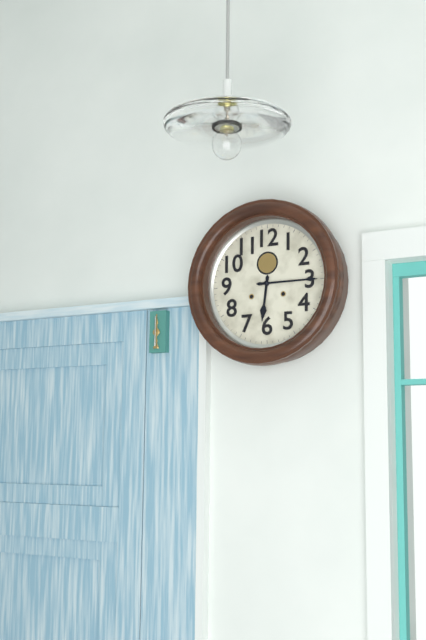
{"hour": 6, "minute": 15}
